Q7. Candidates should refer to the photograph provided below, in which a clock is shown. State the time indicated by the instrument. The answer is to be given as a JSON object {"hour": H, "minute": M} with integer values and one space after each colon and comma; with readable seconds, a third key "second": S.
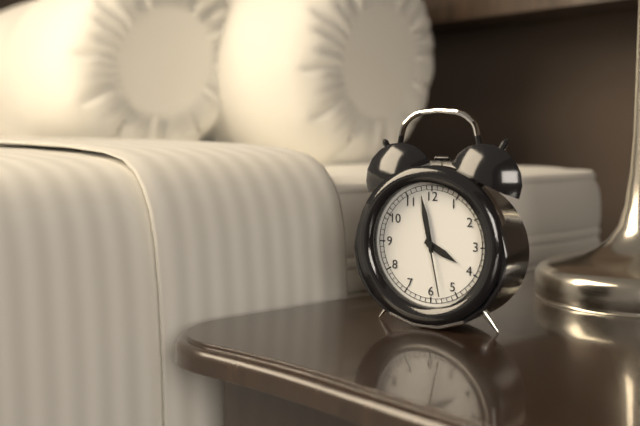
{"hour": 3, "minute": 58, "second": 28}
